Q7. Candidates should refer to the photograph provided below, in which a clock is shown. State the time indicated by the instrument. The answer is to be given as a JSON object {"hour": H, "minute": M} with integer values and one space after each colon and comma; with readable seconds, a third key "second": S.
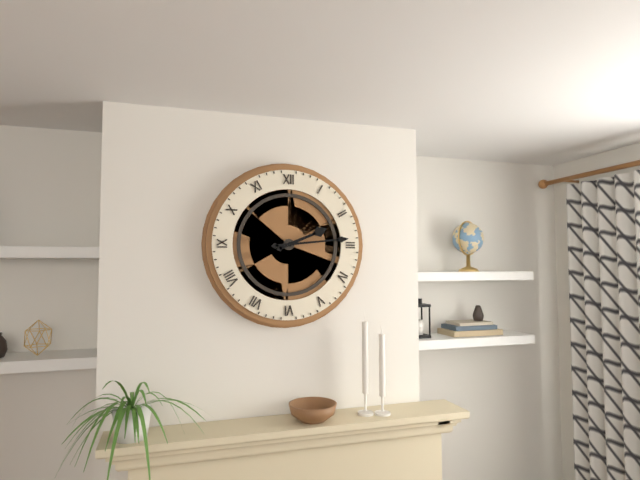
{"hour": 2, "minute": 14}
